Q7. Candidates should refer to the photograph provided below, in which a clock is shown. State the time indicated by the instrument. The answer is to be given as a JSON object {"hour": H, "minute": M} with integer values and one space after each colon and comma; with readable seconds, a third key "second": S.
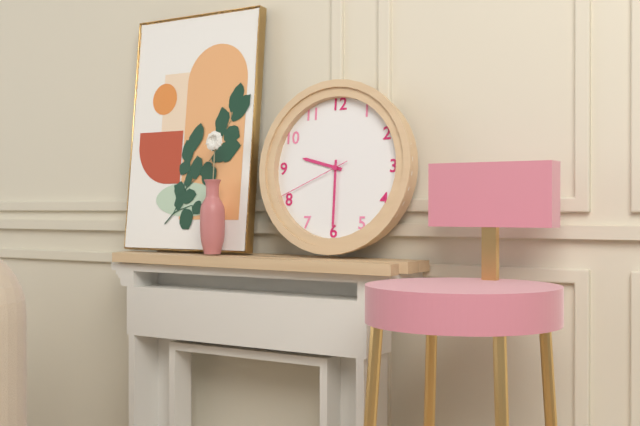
{"hour": 9, "minute": 30, "second": 41}
